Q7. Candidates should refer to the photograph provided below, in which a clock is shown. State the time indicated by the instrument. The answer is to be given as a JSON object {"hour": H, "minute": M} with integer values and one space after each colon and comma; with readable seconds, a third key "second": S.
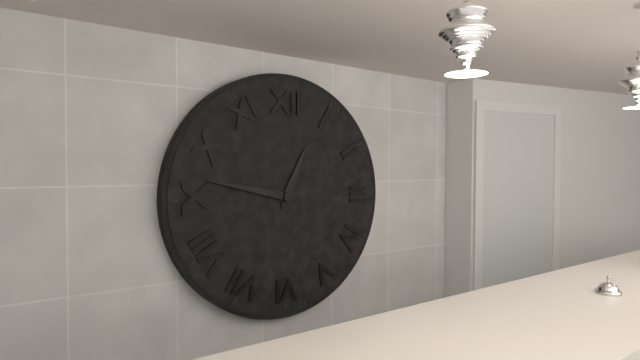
{"hour": 12, "minute": 47}
